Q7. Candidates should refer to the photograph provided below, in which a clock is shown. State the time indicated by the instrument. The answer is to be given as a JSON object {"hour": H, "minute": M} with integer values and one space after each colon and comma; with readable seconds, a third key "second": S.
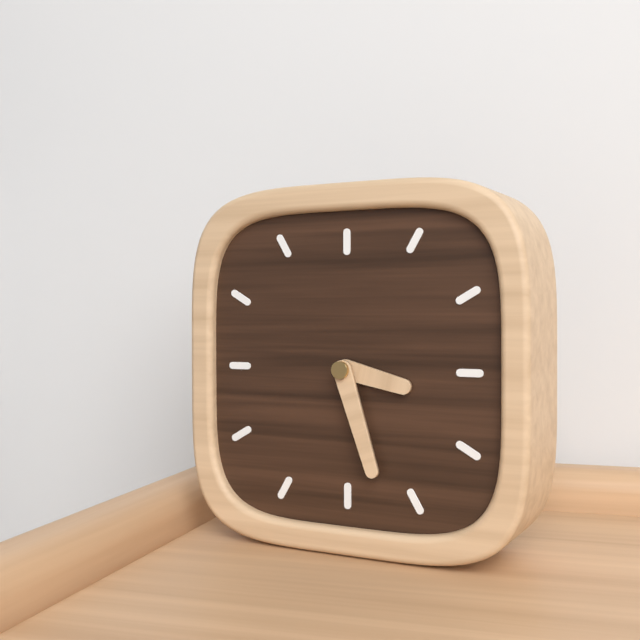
{"hour": 3, "minute": 27}
